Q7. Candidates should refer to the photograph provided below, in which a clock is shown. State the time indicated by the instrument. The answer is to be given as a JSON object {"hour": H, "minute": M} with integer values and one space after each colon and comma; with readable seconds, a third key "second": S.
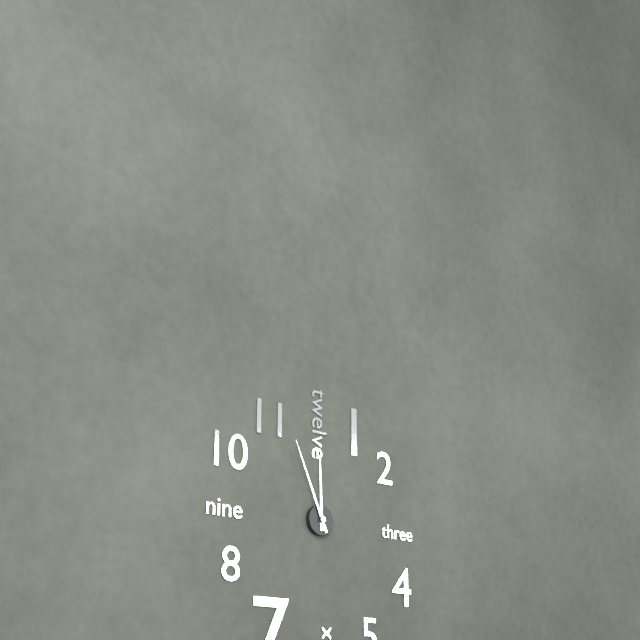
{"hour": 11, "minute": 56}
